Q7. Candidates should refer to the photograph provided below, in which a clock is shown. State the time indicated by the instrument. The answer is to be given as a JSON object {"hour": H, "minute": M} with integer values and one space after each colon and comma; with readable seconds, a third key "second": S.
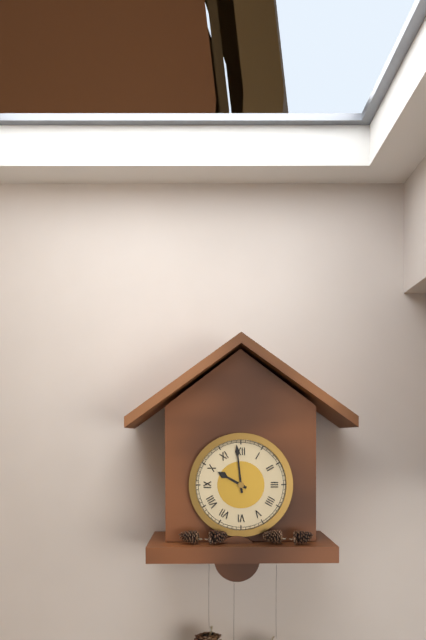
{"hour": 9, "minute": 59}
